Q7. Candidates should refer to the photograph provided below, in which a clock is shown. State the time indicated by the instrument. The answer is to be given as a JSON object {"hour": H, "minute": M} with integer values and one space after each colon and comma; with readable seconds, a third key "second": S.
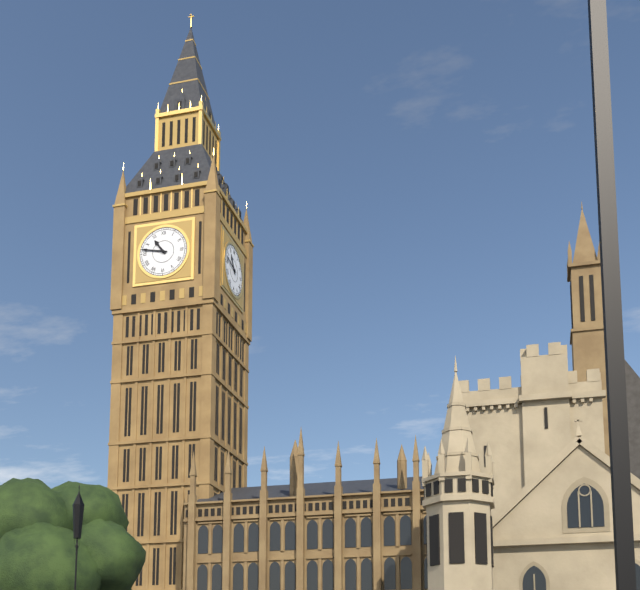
{"hour": 10, "minute": 47}
